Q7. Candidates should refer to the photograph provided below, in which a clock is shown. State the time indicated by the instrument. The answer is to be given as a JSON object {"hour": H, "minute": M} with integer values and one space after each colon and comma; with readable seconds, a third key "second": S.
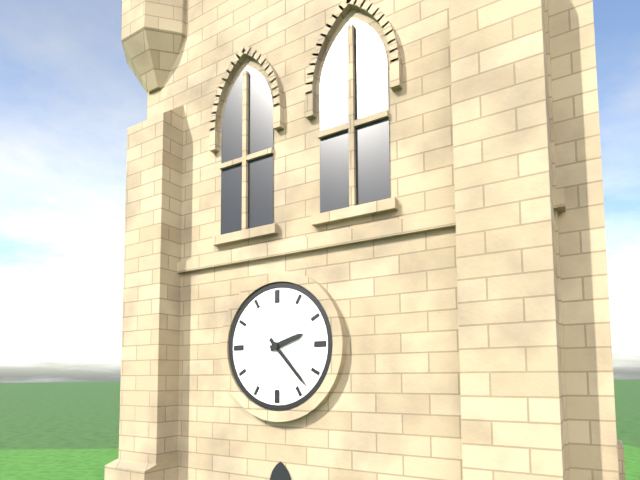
{"hour": 2, "minute": 23}
